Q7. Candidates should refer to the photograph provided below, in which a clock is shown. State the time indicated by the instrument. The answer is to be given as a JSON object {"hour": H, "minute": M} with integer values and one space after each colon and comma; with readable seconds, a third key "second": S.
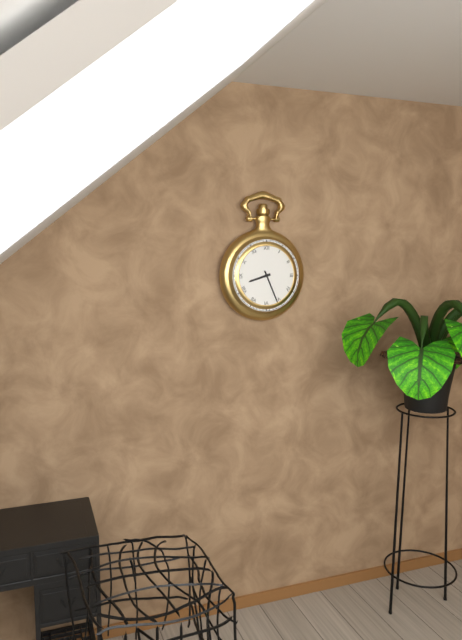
{"hour": 8, "minute": 26}
